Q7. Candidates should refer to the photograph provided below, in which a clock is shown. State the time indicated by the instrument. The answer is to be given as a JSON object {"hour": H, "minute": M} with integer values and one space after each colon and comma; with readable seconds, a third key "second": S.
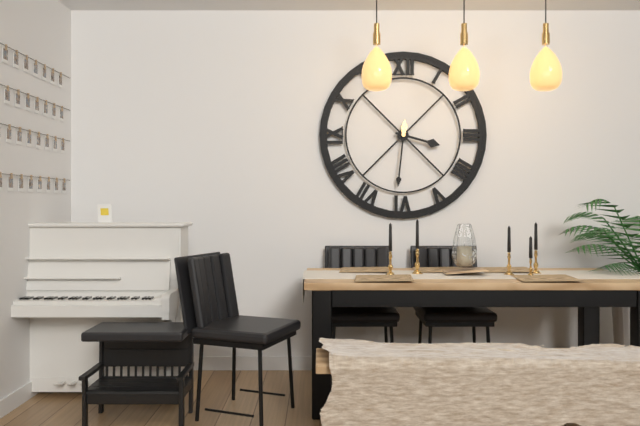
{"hour": 3, "minute": 31}
